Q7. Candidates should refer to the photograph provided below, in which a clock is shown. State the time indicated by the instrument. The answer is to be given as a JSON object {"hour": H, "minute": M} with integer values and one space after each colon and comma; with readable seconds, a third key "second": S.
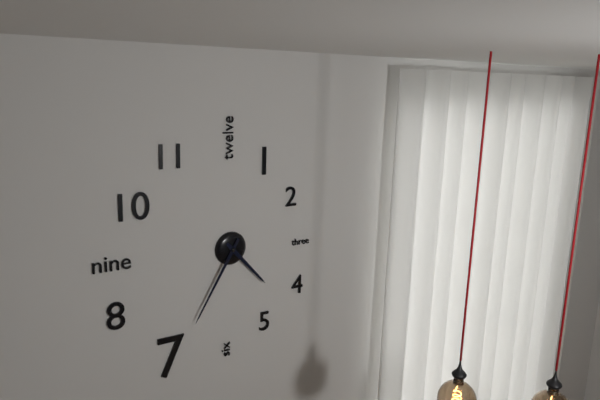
{"hour": 4, "minute": 35}
